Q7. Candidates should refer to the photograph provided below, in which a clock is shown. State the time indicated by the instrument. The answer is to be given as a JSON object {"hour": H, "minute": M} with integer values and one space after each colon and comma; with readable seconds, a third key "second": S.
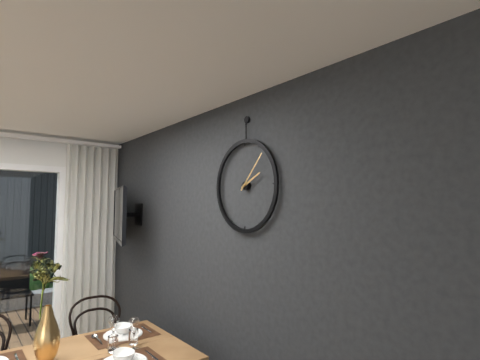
{"hour": 2, "minute": 7}
